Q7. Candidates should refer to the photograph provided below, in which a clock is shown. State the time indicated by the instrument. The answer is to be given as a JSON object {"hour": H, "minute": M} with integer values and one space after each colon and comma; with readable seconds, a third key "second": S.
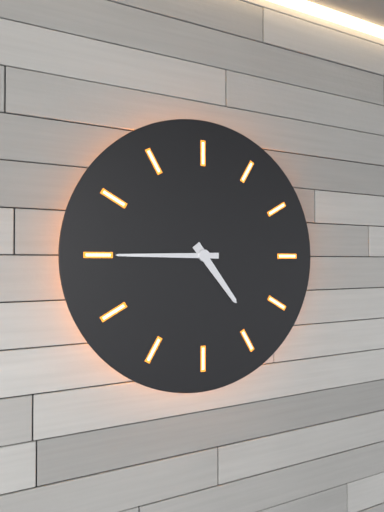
{"hour": 4, "minute": 45}
